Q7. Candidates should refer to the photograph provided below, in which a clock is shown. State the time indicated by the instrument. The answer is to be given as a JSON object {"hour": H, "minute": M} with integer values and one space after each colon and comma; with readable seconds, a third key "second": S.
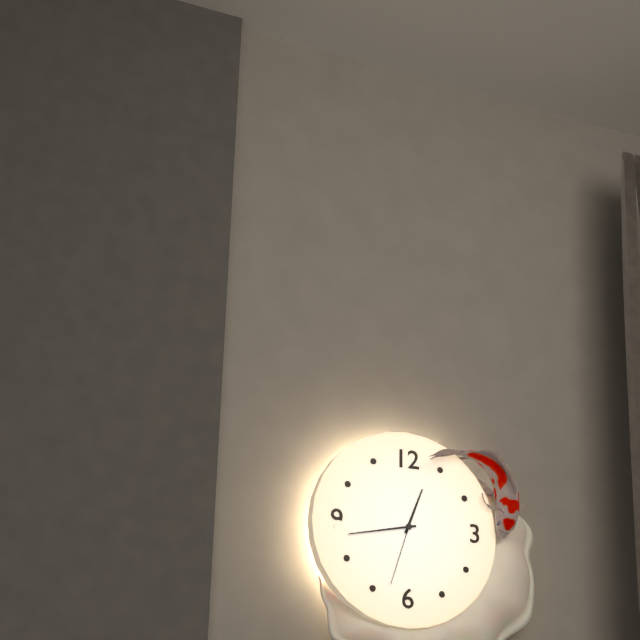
{"hour": 12, "minute": 43, "second": 33}
